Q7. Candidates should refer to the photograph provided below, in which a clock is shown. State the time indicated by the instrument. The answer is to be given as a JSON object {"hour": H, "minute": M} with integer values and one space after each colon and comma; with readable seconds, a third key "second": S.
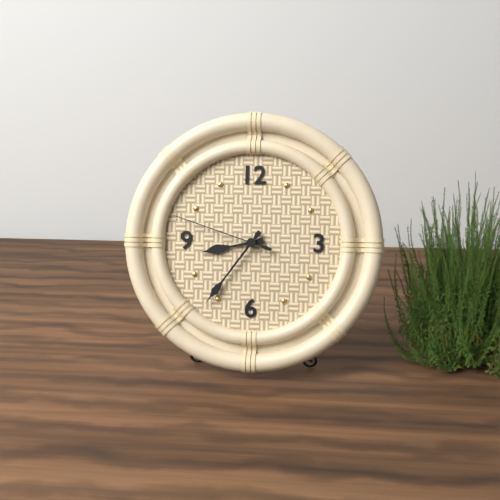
{"hour": 8, "minute": 36, "second": 48}
